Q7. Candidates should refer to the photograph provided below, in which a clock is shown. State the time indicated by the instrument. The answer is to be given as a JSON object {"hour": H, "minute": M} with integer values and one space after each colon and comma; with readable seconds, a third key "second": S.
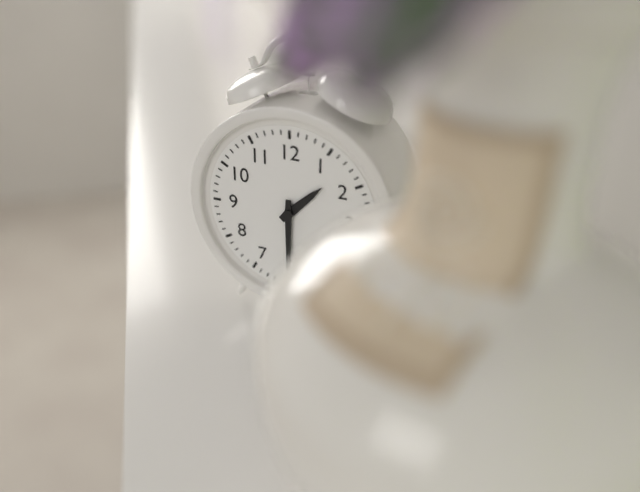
{"hour": 1, "minute": 30}
